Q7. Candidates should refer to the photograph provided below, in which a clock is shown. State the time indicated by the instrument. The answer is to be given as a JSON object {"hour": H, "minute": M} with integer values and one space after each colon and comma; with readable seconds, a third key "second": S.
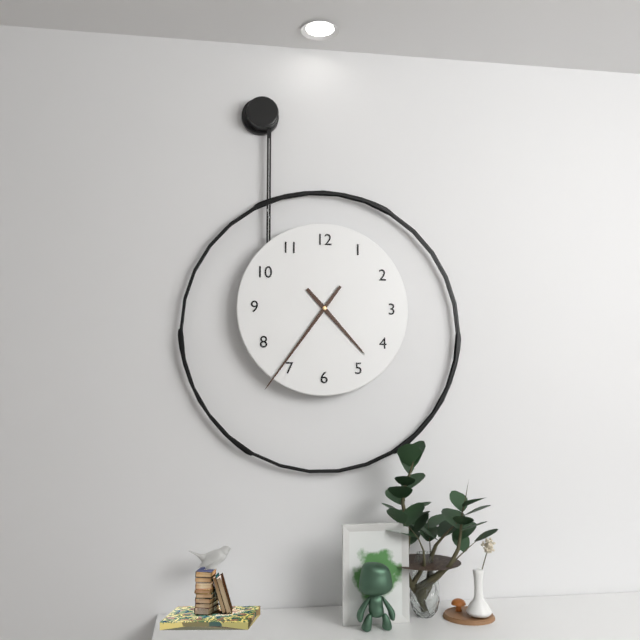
{"hour": 4, "minute": 36}
